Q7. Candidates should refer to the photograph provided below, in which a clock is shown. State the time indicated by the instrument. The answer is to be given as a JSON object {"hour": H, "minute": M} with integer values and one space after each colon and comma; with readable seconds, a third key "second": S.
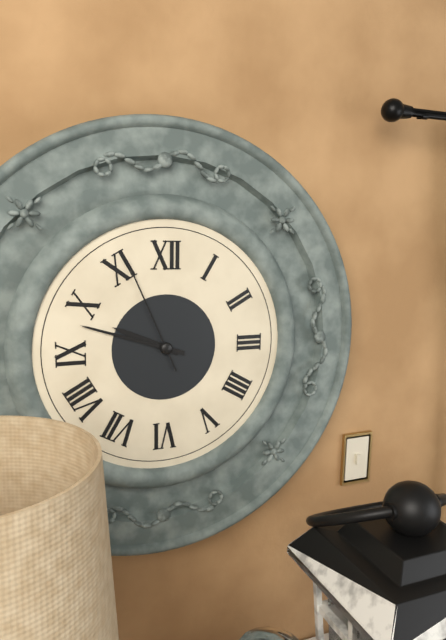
{"hour": 9, "minute": 48, "second": 56}
